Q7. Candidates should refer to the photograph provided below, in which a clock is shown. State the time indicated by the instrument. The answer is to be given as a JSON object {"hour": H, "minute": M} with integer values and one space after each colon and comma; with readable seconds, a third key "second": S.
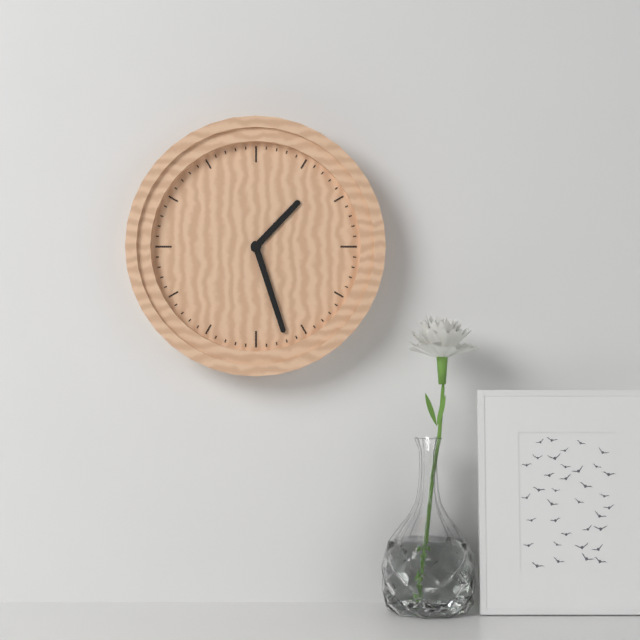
{"hour": 1, "minute": 27}
